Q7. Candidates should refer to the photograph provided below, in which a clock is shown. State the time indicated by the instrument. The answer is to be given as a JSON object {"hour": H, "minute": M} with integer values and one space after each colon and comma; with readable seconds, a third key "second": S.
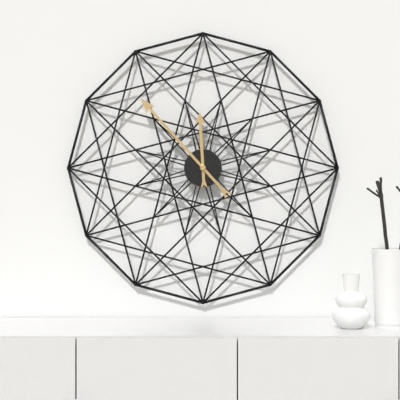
{"hour": 11, "minute": 53}
